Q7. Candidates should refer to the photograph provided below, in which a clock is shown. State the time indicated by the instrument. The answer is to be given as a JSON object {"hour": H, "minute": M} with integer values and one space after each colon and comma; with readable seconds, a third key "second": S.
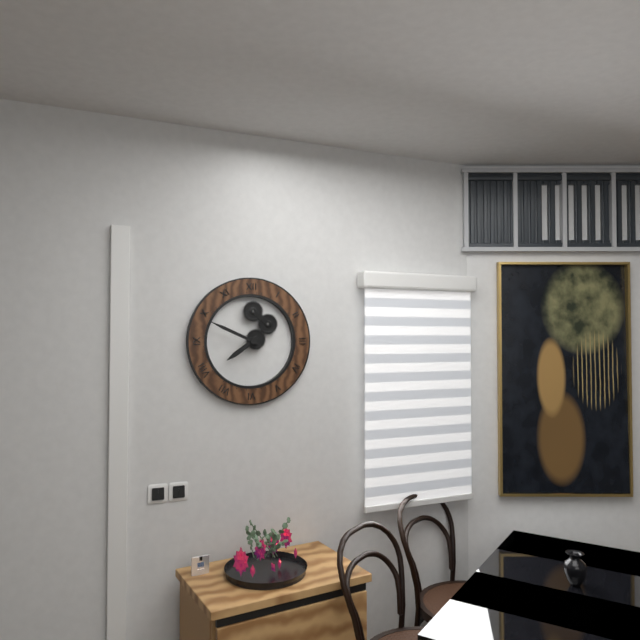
{"hour": 7, "minute": 49}
